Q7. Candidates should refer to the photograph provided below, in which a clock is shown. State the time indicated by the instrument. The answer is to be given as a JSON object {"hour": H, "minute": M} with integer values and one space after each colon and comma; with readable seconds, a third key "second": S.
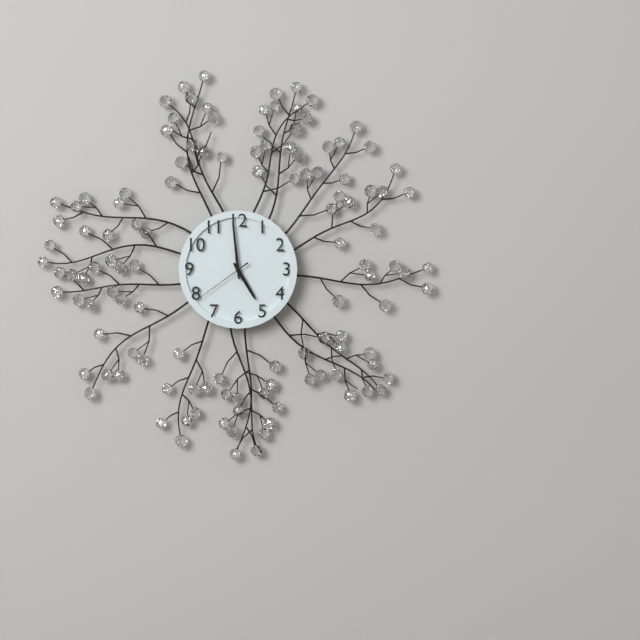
{"hour": 4, "minute": 59, "second": 39}
